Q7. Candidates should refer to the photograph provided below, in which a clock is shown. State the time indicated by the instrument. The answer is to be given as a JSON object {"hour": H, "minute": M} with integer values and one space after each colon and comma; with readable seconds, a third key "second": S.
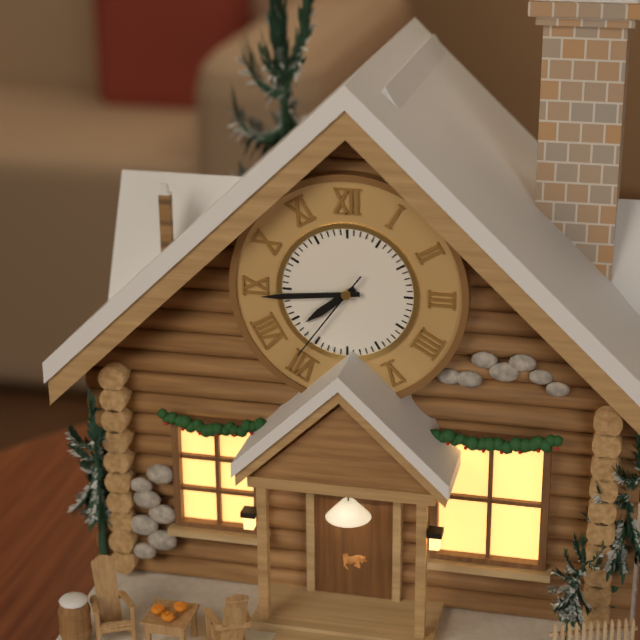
{"hour": 7, "minute": 44, "second": 36}
